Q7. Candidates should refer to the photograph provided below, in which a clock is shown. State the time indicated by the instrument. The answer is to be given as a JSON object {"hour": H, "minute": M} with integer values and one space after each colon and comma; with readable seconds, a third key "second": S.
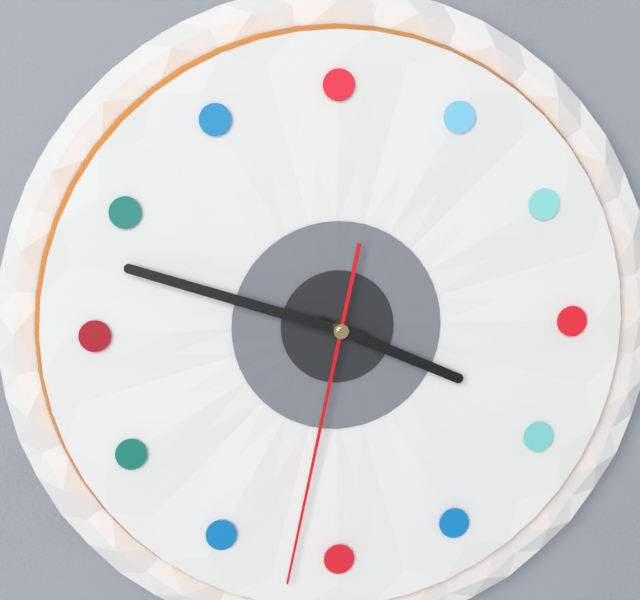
{"hour": 3, "minute": 48, "second": 32}
